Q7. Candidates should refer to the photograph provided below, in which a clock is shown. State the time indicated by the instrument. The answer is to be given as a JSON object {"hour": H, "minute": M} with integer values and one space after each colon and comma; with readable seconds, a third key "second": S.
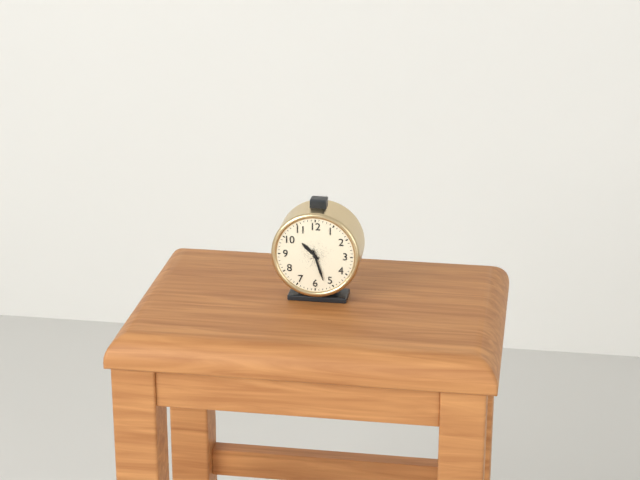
{"hour": 10, "minute": 27}
